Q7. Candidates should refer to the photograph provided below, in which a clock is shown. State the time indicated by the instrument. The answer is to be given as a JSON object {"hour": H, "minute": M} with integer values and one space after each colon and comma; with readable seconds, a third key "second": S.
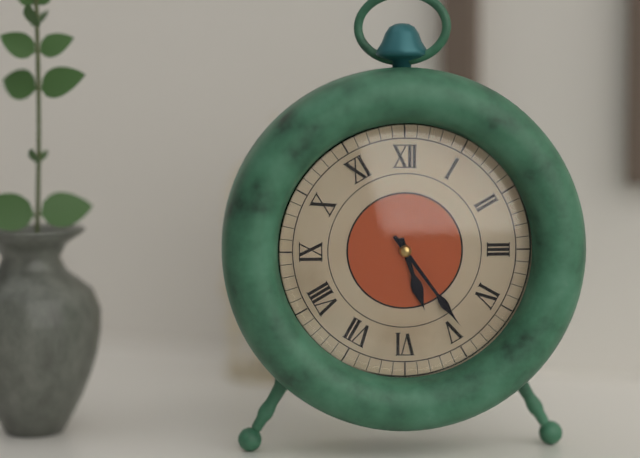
{"hour": 5, "minute": 24}
